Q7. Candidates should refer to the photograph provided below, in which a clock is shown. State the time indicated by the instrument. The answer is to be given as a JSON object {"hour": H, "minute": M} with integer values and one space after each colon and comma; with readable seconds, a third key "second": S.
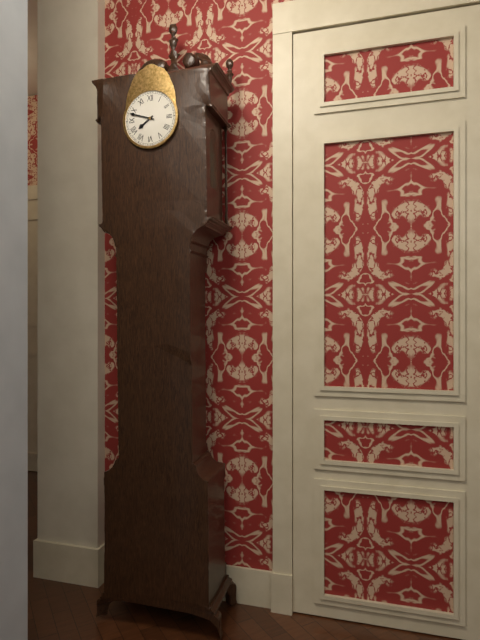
{"hour": 7, "minute": 48}
